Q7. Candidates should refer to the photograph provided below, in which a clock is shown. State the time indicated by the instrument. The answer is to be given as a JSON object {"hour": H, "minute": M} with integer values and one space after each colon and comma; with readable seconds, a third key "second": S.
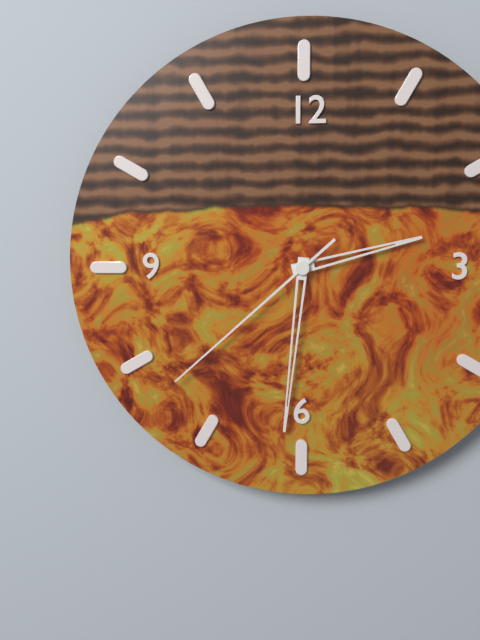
{"hour": 2, "minute": 31, "second": 38}
